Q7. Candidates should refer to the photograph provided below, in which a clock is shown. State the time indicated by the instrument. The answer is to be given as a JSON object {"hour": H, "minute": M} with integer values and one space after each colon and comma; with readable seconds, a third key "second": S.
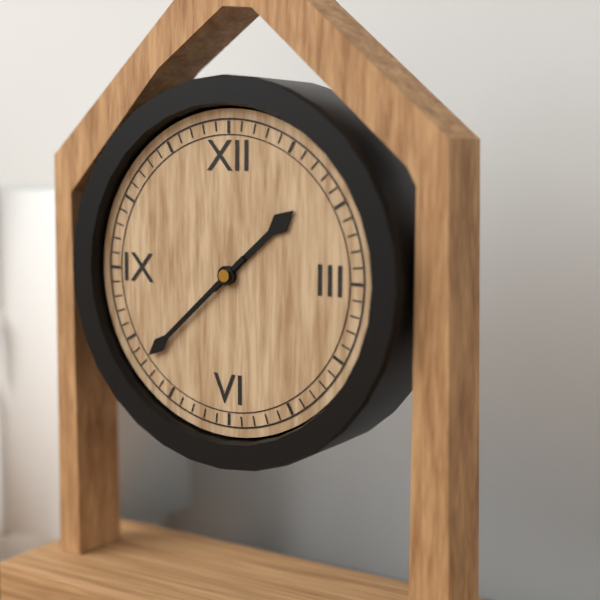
{"hour": 1, "minute": 38}
